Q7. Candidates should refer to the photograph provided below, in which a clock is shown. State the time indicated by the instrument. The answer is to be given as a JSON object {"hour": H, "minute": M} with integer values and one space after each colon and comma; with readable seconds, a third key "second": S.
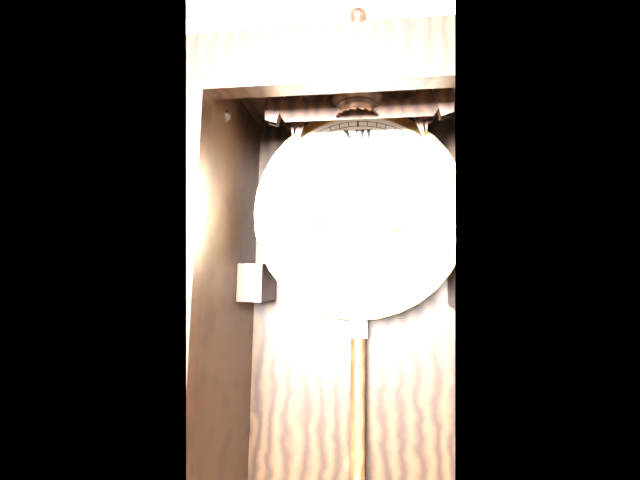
{"hour": 5, "minute": 17}
